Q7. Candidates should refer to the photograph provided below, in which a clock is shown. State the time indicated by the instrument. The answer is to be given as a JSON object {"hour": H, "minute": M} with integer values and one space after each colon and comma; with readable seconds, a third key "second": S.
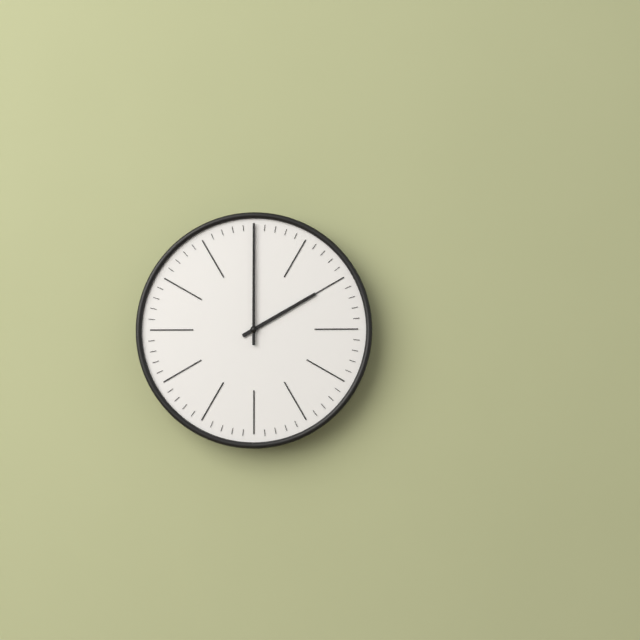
{"hour": 2, "minute": 0}
